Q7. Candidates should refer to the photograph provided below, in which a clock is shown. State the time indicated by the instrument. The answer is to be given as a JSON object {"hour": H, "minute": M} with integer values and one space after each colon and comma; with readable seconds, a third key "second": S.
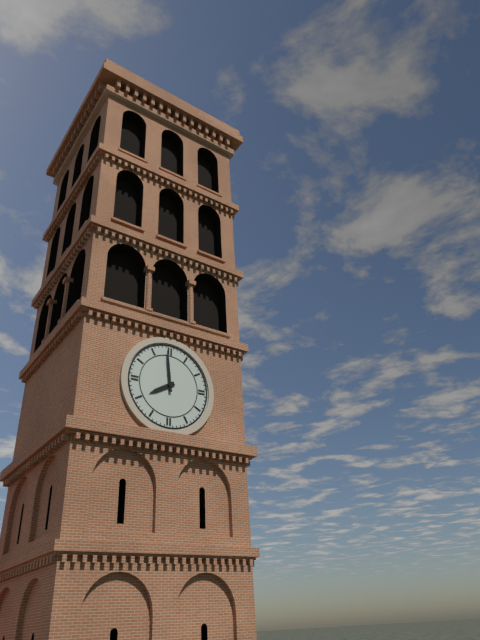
{"hour": 7, "minute": 59}
